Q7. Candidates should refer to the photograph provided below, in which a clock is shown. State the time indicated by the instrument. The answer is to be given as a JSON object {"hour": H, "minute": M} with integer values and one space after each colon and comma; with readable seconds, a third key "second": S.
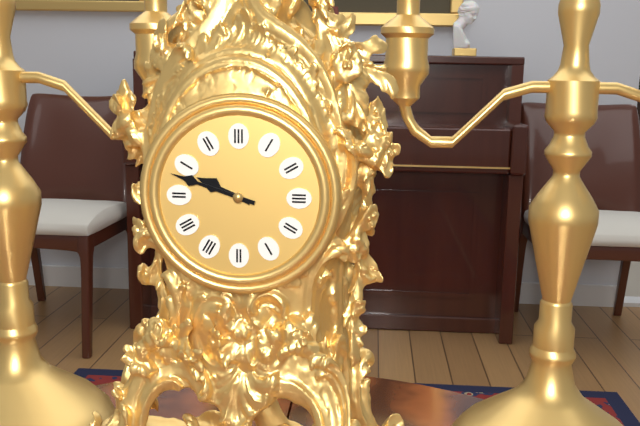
{"hour": 9, "minute": 48}
